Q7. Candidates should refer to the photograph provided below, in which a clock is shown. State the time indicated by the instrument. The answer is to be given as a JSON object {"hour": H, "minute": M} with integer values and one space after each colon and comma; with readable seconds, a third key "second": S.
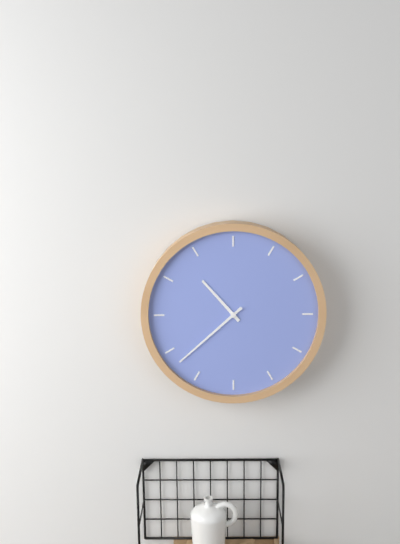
{"hour": 10, "minute": 38}
